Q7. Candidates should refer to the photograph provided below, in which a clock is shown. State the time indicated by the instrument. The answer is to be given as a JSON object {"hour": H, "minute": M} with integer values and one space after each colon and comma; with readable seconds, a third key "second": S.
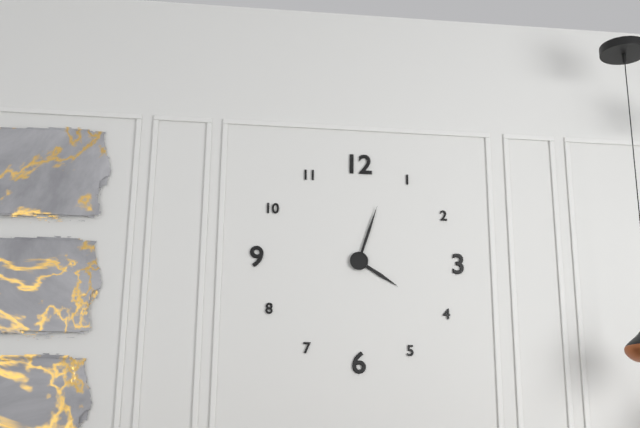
{"hour": 4, "minute": 3}
